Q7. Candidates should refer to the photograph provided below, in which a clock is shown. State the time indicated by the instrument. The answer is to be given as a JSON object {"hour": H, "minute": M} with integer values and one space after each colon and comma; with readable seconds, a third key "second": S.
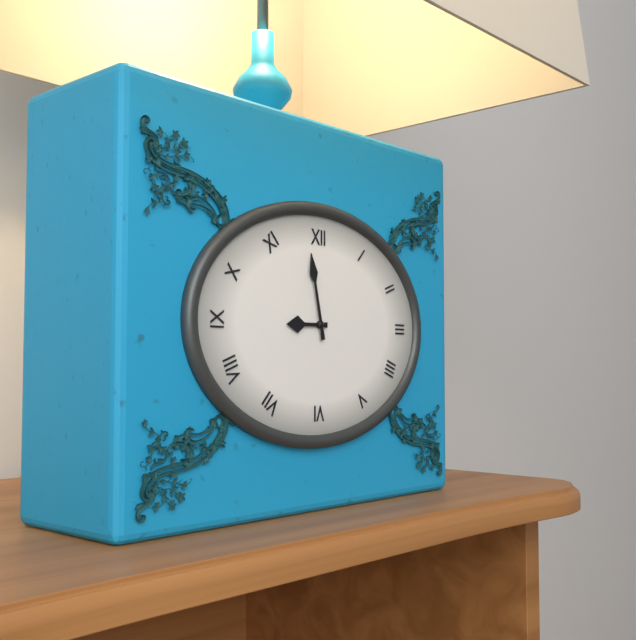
{"hour": 8, "minute": 58}
